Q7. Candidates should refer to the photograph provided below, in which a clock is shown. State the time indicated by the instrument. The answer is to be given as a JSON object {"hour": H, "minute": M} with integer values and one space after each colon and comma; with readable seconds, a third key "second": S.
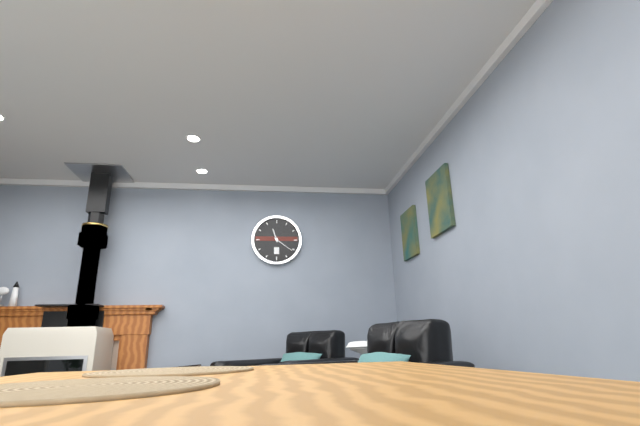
{"hour": 11, "minute": 21}
